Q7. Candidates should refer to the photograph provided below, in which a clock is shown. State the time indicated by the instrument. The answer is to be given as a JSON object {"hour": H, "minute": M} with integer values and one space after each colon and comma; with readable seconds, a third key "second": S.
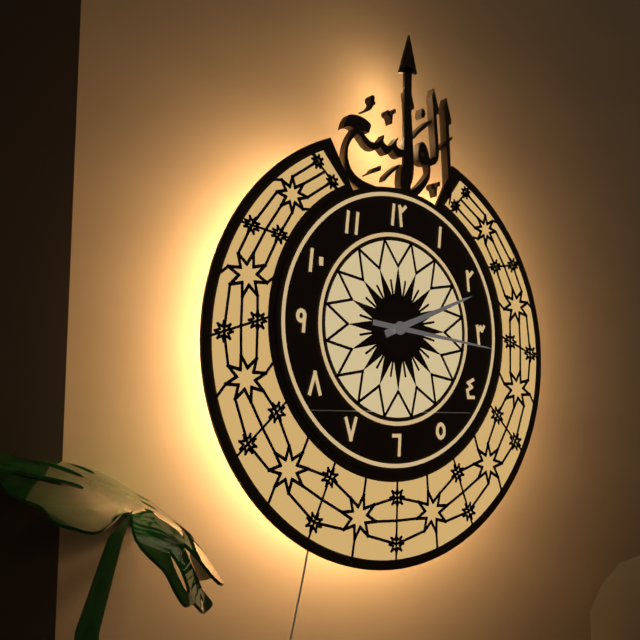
{"hour": 2, "minute": 16}
